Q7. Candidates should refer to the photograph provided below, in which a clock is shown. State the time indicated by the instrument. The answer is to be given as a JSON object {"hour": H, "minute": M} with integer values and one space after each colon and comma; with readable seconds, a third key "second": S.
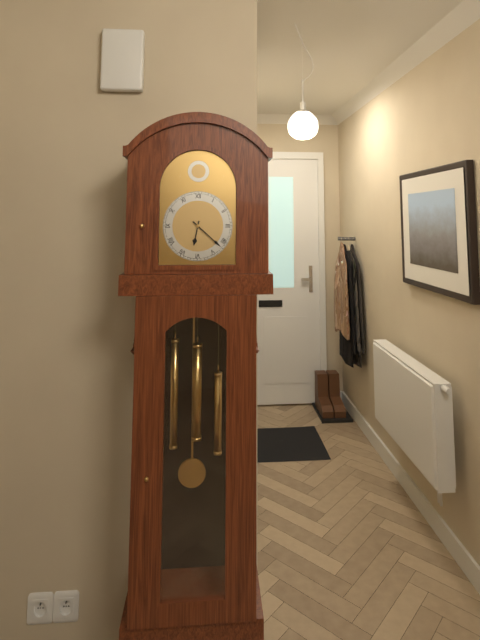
{"hour": 6, "minute": 22}
